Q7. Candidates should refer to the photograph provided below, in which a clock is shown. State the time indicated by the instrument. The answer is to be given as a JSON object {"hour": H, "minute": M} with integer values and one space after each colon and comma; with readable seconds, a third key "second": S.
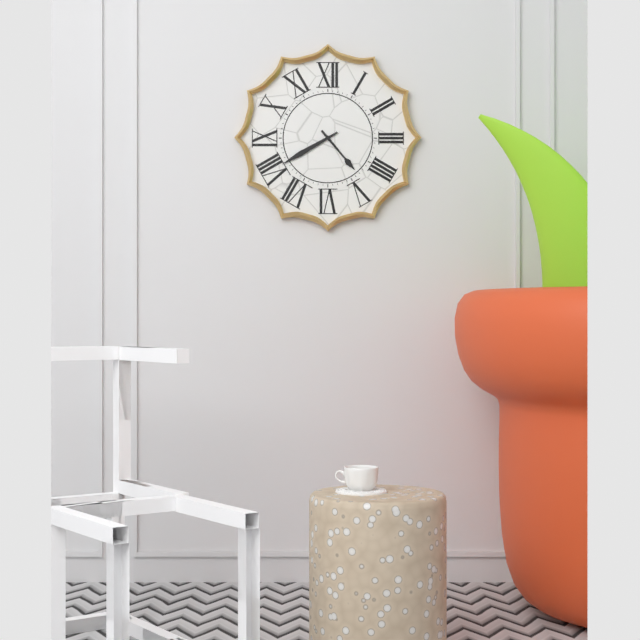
{"hour": 4, "minute": 40}
